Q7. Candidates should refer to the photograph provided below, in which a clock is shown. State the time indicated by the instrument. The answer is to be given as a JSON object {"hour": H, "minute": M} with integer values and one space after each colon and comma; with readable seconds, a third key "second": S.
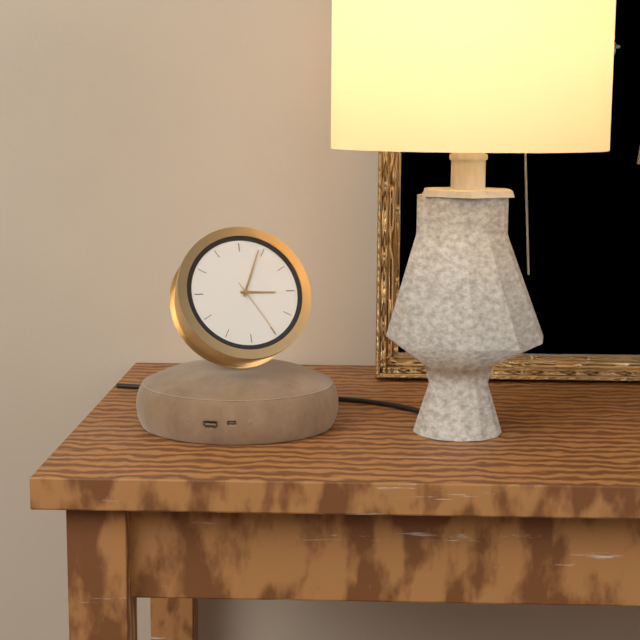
{"hour": 3, "minute": 4, "second": 25}
